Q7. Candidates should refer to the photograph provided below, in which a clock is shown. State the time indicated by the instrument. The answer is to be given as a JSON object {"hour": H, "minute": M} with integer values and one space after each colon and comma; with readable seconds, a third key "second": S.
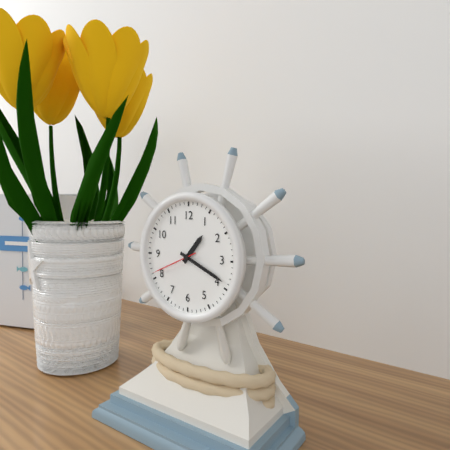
{"hour": 1, "minute": 19}
